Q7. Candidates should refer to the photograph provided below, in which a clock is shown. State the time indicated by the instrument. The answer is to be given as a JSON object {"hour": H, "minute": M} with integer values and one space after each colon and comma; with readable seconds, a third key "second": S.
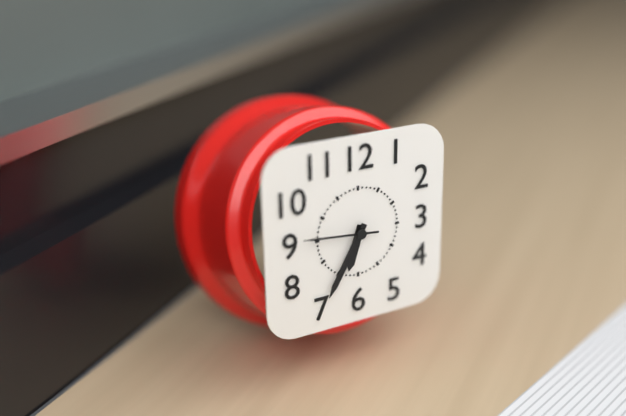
{"hour": 6, "minute": 35, "second": 46}
